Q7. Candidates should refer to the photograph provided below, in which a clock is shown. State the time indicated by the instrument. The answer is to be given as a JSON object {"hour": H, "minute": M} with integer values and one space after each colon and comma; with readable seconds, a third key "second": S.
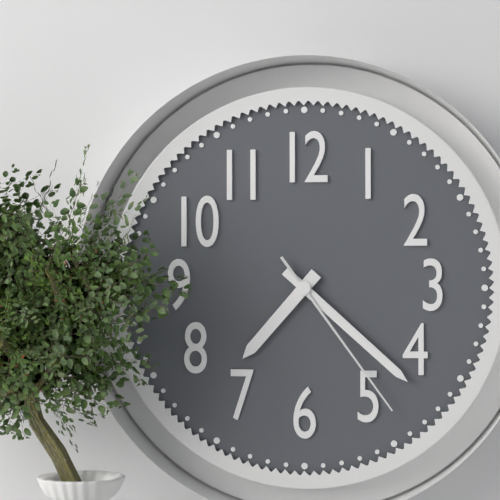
{"hour": 7, "minute": 22, "second": 24}
